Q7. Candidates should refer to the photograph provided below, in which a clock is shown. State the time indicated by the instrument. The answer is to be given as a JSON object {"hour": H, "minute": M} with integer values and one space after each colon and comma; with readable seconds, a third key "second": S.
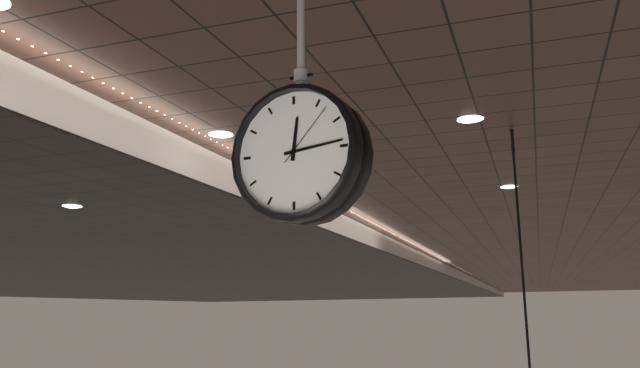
{"hour": 12, "minute": 14, "second": 7}
